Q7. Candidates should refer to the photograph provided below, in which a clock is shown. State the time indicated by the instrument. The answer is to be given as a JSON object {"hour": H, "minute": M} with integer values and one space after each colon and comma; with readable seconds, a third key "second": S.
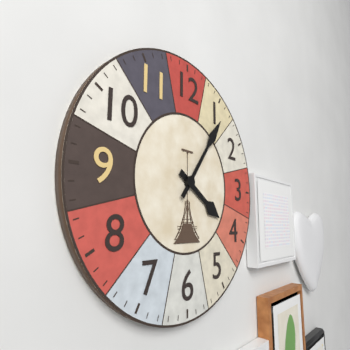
{"hour": 4, "minute": 6}
